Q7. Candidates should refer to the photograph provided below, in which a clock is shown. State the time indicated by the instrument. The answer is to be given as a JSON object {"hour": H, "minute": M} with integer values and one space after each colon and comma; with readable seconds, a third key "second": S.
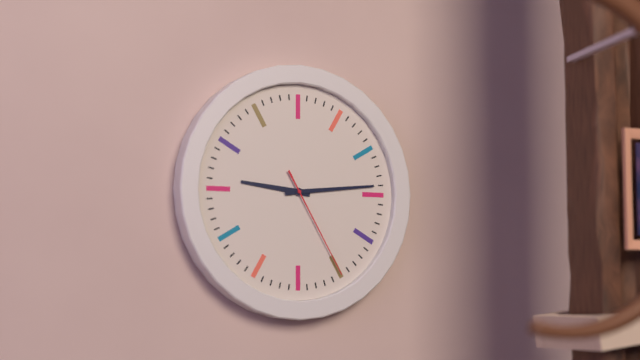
{"hour": 9, "minute": 14, "second": 25}
